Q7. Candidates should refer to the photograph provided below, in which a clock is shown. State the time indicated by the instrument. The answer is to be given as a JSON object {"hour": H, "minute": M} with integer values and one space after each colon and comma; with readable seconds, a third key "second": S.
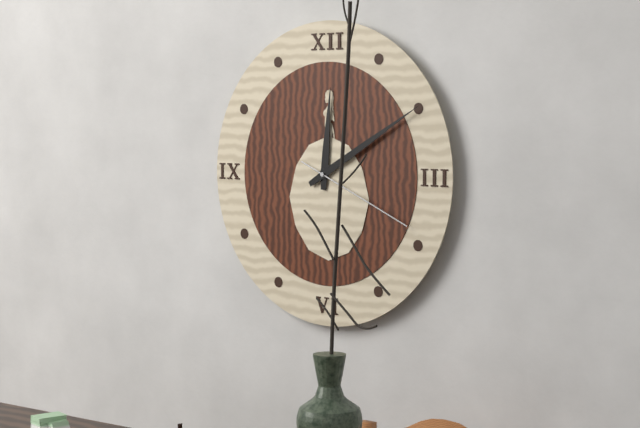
{"hour": 12, "minute": 10, "second": 19}
